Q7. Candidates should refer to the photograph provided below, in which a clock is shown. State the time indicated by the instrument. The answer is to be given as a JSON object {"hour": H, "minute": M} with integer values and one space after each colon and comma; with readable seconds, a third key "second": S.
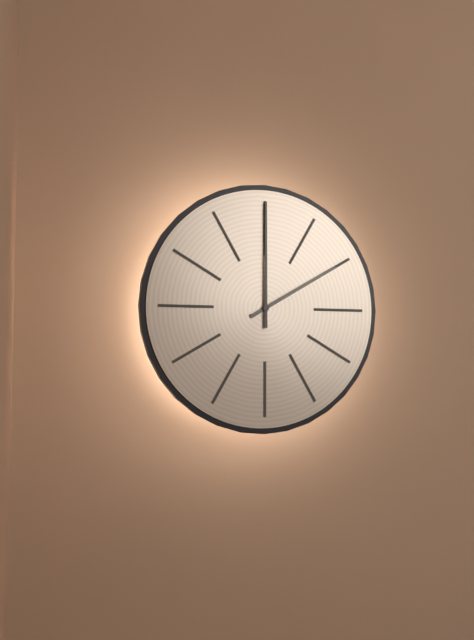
{"hour": 2, "minute": 0}
